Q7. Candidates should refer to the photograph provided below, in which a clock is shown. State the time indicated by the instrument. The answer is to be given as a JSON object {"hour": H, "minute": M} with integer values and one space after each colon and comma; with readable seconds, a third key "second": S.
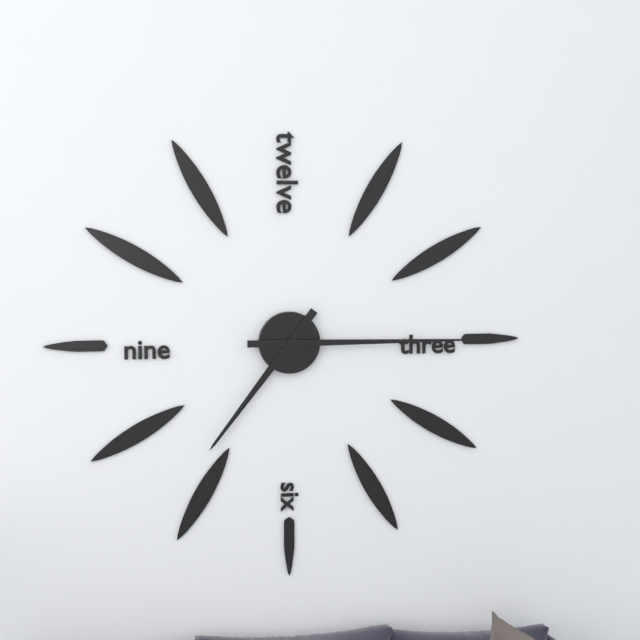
{"hour": 7, "minute": 15}
